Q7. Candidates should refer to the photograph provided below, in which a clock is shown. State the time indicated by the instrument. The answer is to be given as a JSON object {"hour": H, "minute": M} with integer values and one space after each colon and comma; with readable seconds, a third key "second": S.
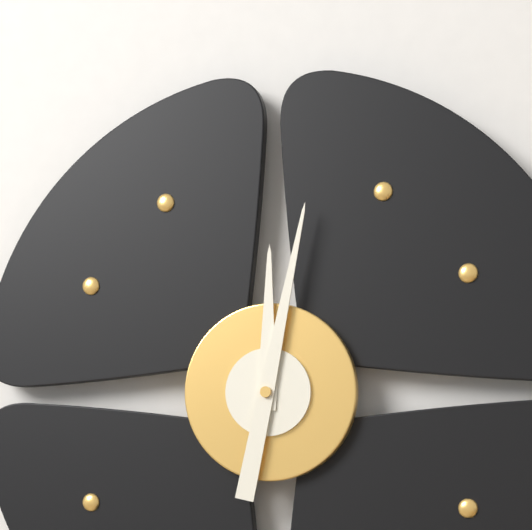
{"hour": 12, "minute": 2}
